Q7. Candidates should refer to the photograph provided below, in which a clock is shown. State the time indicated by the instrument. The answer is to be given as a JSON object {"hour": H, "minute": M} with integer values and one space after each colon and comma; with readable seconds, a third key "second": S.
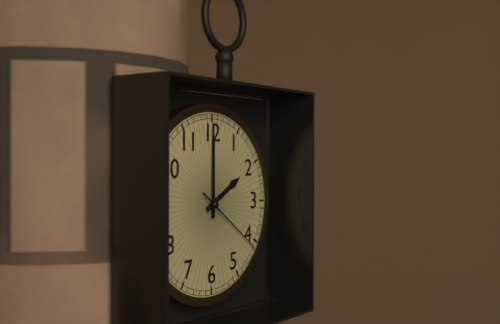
{"hour": 2, "minute": 0, "second": 21}
